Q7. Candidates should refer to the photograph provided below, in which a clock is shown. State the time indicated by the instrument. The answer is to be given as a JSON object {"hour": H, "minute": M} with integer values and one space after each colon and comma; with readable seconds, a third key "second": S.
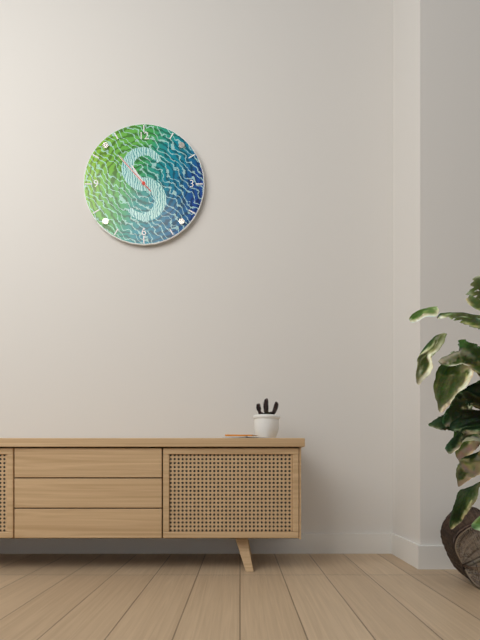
{"hour": 10, "minute": 53}
